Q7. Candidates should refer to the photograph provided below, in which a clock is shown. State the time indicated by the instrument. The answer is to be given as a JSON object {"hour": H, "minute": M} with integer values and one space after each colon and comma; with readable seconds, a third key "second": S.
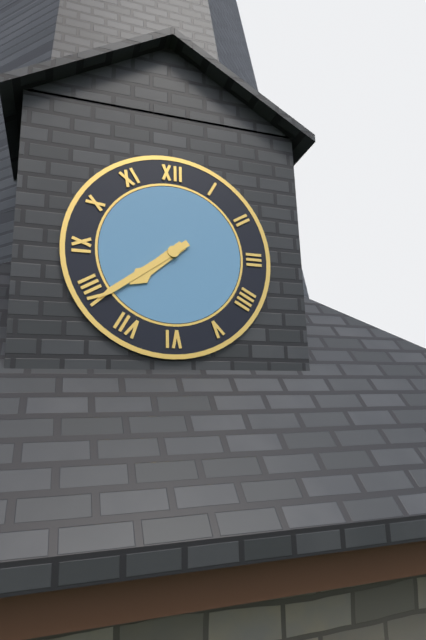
{"hour": 7, "minute": 39}
